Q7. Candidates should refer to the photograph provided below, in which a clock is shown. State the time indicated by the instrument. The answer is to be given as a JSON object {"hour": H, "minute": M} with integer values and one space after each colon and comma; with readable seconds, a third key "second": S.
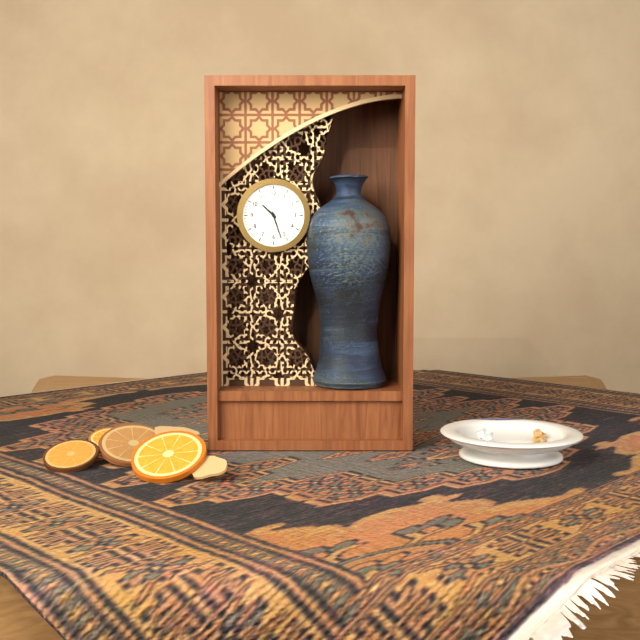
{"hour": 10, "minute": 27}
